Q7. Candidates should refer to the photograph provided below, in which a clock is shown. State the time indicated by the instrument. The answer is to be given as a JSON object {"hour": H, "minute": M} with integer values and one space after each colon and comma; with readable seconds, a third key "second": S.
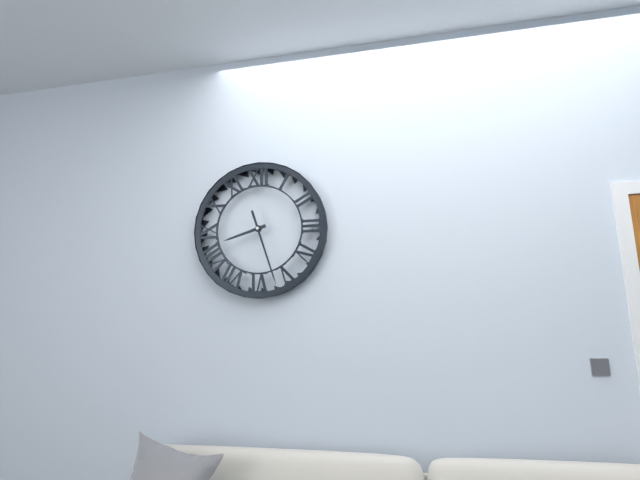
{"hour": 8, "minute": 27}
